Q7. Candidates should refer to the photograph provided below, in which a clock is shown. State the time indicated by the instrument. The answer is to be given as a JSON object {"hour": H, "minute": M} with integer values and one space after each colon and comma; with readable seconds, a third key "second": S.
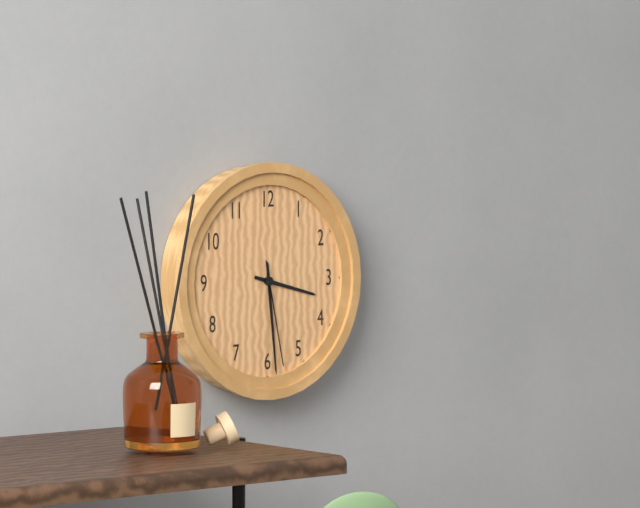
{"hour": 3, "minute": 29, "second": 28}
